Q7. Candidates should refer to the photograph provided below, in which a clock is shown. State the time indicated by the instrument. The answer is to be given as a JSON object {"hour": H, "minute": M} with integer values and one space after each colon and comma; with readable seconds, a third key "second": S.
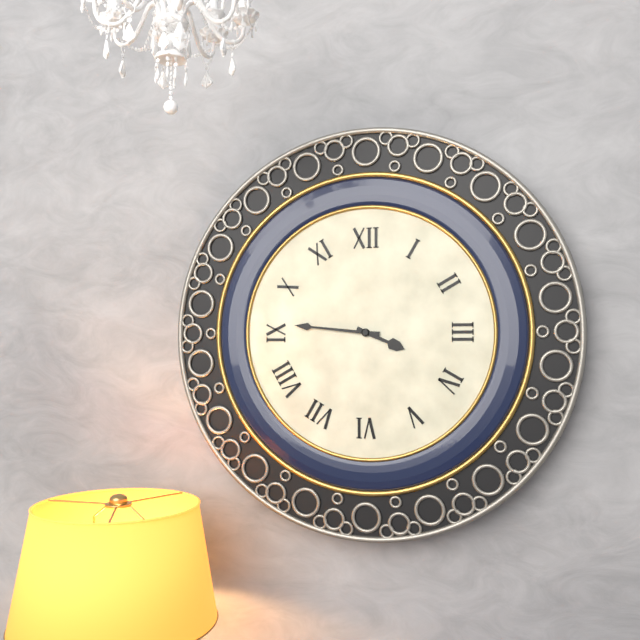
{"hour": 3, "minute": 46}
